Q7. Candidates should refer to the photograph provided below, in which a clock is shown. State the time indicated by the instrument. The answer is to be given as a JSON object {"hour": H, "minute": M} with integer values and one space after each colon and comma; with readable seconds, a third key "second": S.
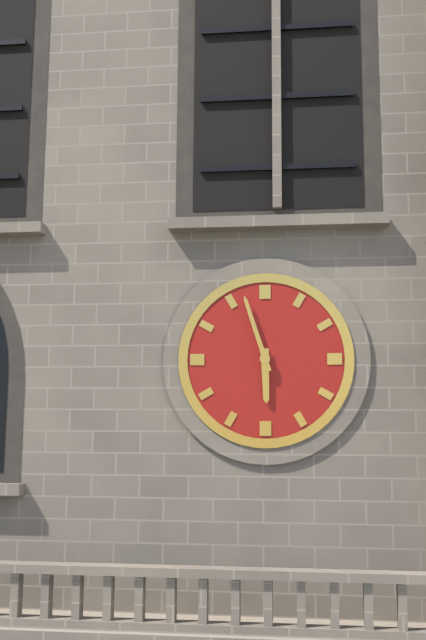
{"hour": 5, "minute": 57}
